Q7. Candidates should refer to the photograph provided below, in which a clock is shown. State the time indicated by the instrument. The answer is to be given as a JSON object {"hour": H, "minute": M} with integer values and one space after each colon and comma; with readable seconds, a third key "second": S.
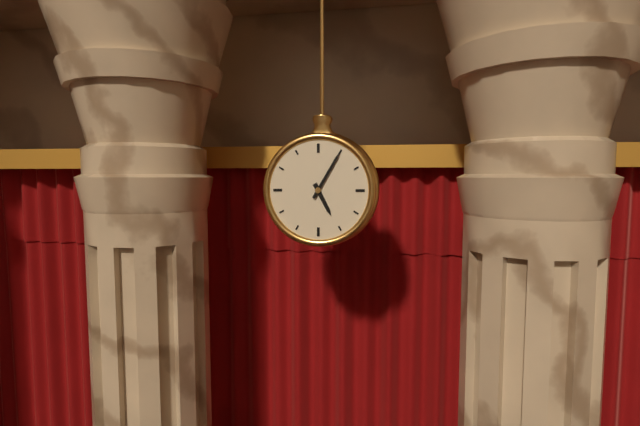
{"hour": 5, "minute": 5}
